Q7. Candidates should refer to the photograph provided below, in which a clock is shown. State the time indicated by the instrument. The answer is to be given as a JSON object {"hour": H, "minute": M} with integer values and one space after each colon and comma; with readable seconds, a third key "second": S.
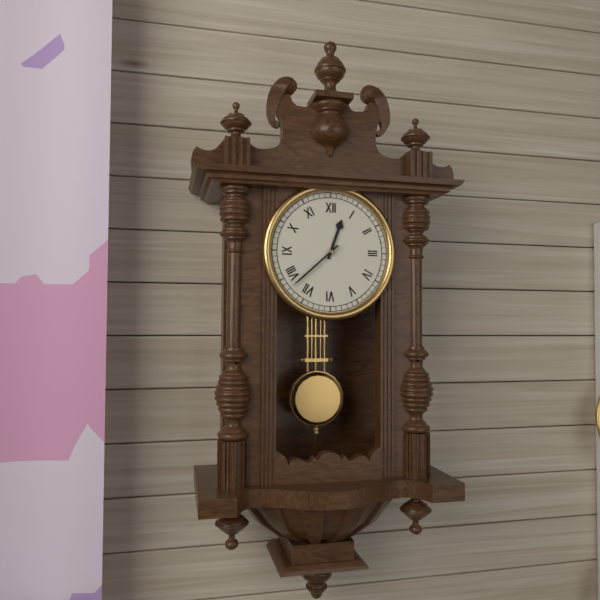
{"hour": 12, "minute": 38}
